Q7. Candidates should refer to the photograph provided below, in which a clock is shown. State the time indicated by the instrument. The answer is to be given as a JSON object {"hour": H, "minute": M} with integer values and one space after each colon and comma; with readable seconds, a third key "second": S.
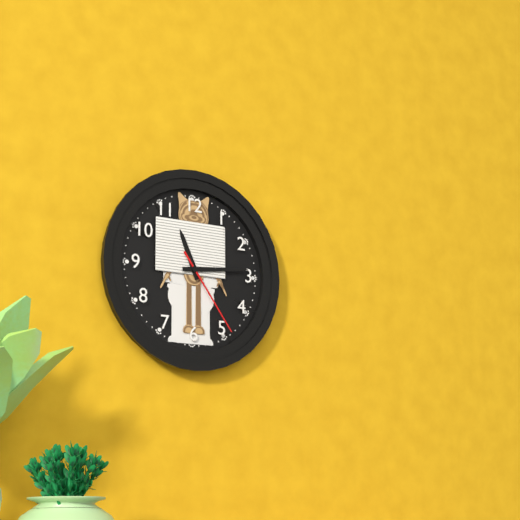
{"hour": 11, "minute": 14, "second": 24}
